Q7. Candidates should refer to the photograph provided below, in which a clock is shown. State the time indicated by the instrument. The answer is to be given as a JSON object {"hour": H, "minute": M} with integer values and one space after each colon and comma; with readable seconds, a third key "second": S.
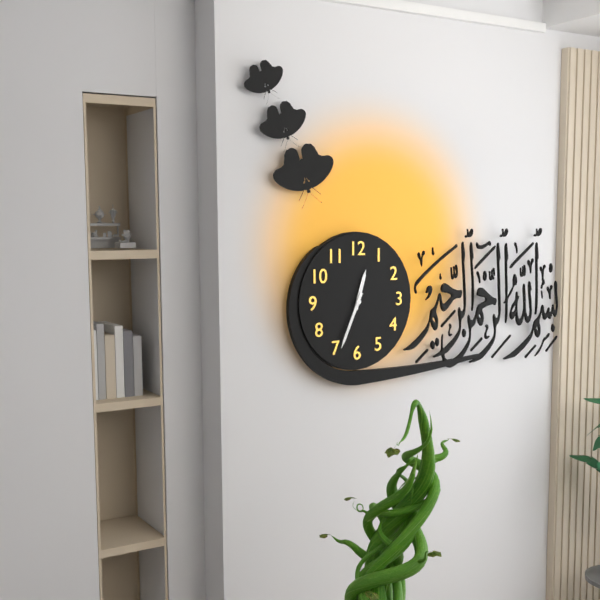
{"hour": 12, "minute": 34}
